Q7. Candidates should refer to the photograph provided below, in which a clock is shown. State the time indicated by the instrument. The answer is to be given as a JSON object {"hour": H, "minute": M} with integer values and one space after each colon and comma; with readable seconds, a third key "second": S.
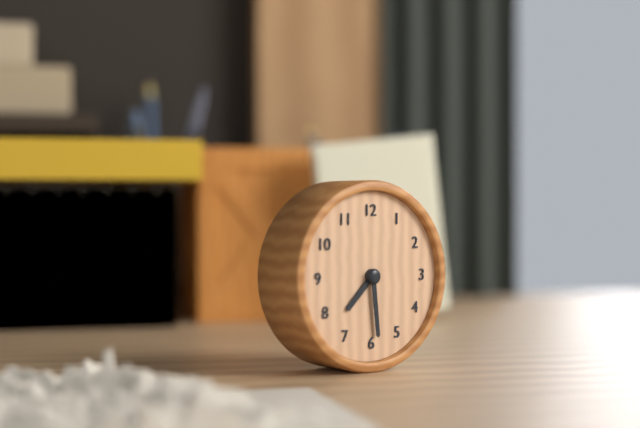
{"hour": 7, "minute": 29}
